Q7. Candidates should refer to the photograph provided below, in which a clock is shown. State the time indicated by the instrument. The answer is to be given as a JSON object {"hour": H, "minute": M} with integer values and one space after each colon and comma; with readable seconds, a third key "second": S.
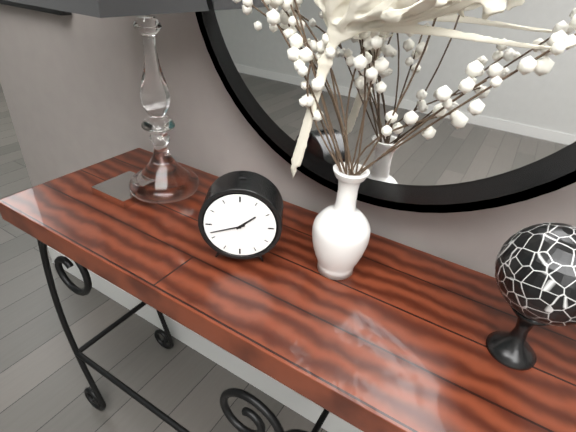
{"hour": 1, "minute": 42}
